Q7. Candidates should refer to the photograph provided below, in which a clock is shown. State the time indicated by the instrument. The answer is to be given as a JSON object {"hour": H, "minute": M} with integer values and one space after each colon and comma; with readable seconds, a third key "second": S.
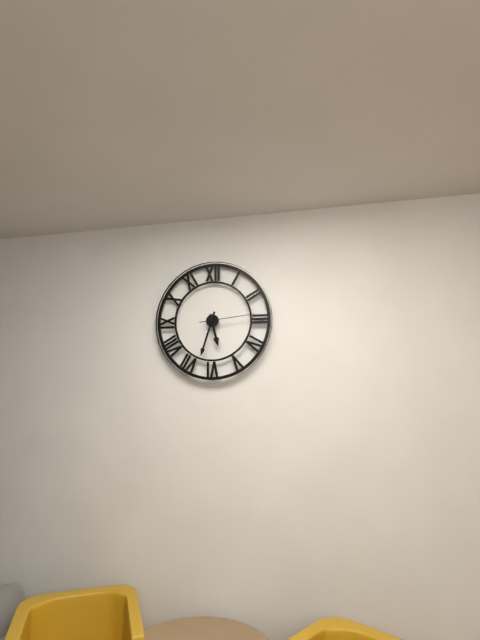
{"hour": 5, "minute": 33, "second": 14}
